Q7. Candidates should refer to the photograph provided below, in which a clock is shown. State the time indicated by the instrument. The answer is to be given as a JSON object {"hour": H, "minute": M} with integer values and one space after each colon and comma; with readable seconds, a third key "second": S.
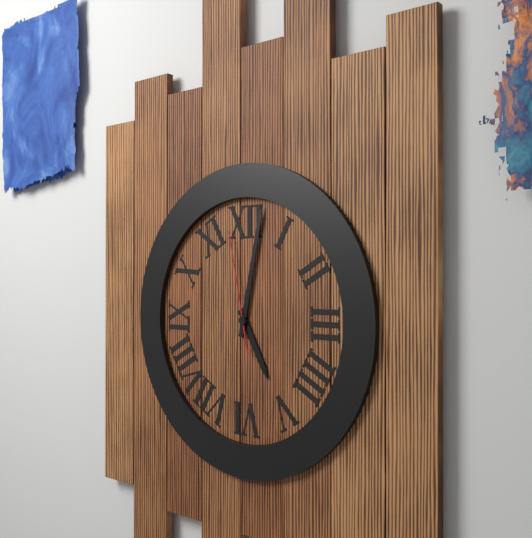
{"hour": 5, "minute": 2, "second": 58}
